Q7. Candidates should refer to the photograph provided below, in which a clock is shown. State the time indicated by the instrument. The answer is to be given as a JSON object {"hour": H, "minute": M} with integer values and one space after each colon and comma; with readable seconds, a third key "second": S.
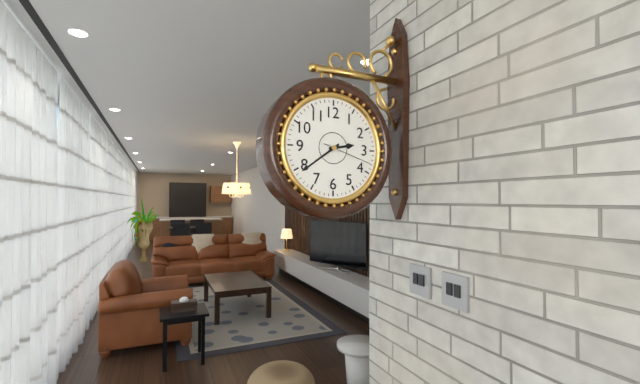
{"hour": 2, "minute": 39, "second": 18}
